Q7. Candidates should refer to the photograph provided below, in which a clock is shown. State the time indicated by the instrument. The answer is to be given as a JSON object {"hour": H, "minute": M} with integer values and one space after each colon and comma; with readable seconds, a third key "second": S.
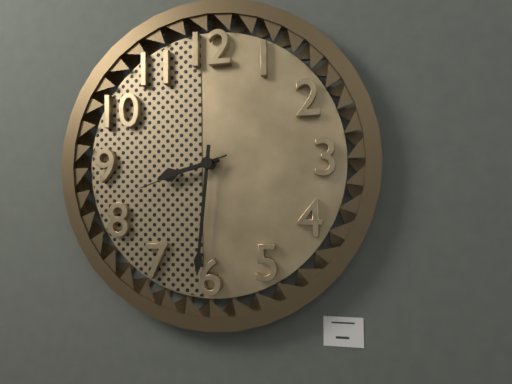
{"hour": 8, "minute": 31, "second": 42}
